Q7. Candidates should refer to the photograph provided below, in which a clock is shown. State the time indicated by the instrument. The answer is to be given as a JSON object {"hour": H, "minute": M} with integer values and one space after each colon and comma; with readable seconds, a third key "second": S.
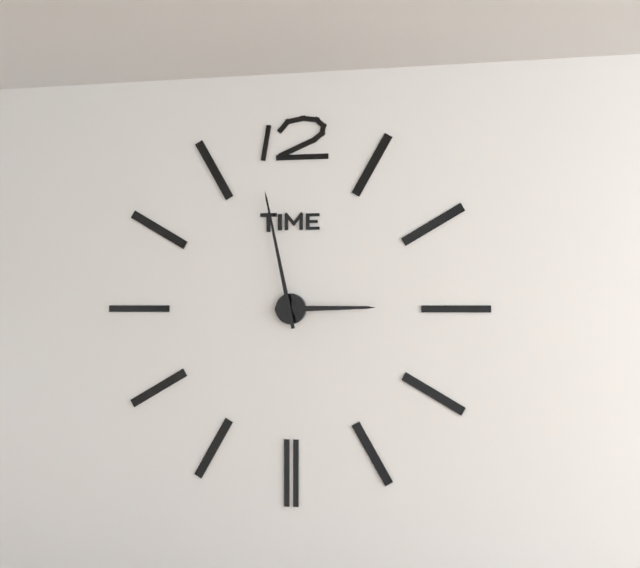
{"hour": 2, "minute": 58}
